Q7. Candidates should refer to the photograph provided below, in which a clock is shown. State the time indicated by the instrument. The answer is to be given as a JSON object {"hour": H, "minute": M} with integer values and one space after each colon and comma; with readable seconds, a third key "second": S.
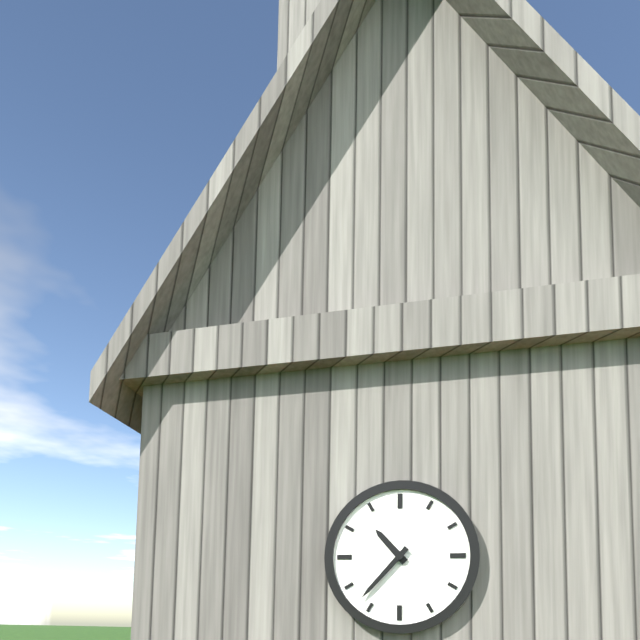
{"hour": 10, "minute": 37}
